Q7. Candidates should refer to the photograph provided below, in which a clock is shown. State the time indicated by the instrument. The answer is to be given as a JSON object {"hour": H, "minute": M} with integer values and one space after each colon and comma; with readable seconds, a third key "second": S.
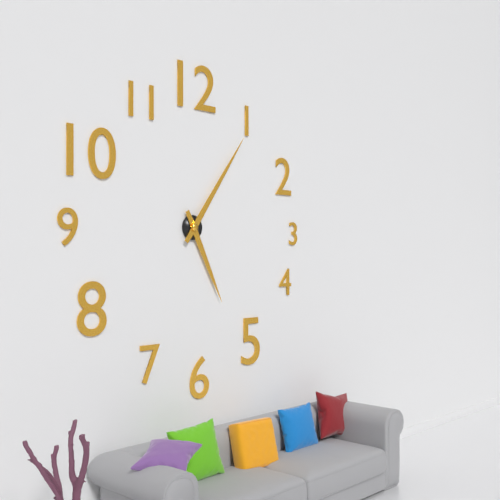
{"hour": 5, "minute": 6}
